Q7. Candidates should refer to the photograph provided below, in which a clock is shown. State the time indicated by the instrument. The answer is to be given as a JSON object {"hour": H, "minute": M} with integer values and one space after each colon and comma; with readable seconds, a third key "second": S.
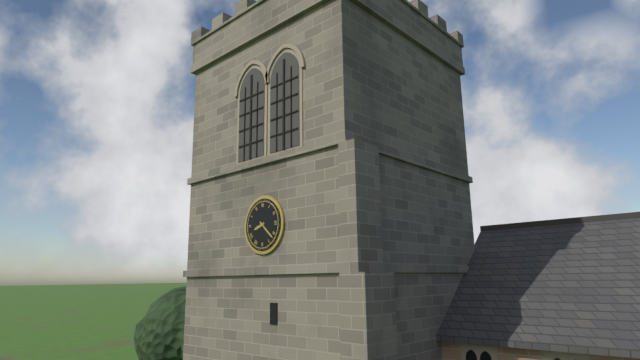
{"hour": 8, "minute": 22}
